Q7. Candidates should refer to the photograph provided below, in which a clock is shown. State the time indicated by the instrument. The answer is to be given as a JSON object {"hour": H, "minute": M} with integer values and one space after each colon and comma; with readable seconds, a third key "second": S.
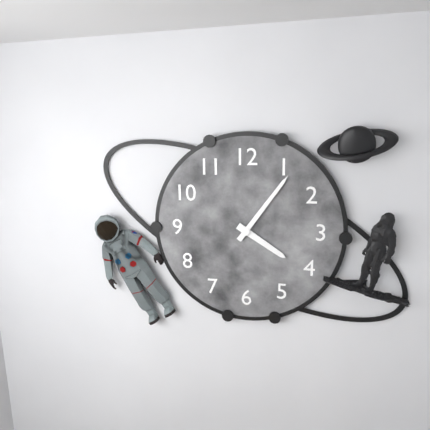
{"hour": 4, "minute": 6}
